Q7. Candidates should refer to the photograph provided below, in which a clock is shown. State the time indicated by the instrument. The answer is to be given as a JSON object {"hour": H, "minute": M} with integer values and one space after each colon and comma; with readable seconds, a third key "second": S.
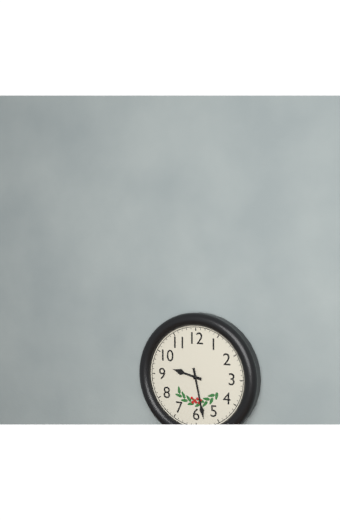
{"hour": 9, "minute": 28}
